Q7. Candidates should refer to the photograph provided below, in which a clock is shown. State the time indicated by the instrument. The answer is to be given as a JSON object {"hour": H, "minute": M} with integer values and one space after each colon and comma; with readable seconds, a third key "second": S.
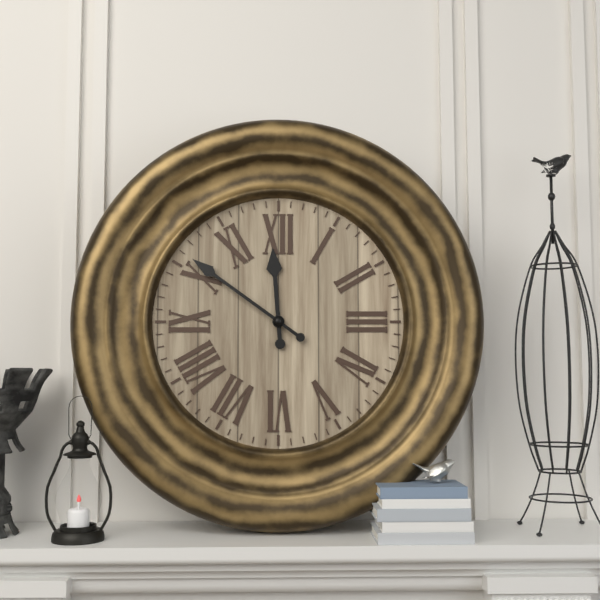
{"hour": 11, "minute": 51}
